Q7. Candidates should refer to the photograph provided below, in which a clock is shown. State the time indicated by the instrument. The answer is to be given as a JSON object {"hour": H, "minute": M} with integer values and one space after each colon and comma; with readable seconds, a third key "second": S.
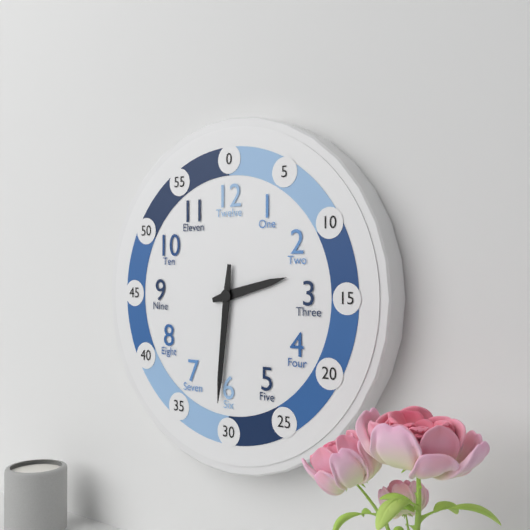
{"hour": 2, "minute": 31}
